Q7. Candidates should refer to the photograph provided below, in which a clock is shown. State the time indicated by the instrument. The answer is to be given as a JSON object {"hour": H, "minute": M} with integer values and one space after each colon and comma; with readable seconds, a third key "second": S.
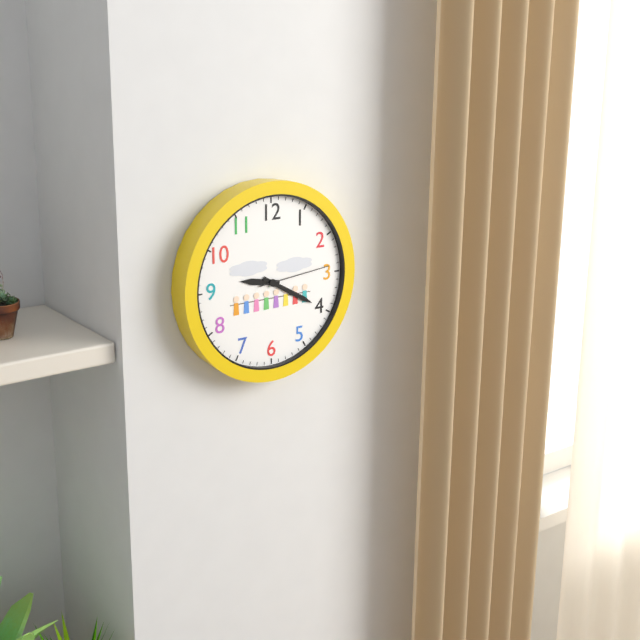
{"hour": 9, "minute": 20, "second": 14}
